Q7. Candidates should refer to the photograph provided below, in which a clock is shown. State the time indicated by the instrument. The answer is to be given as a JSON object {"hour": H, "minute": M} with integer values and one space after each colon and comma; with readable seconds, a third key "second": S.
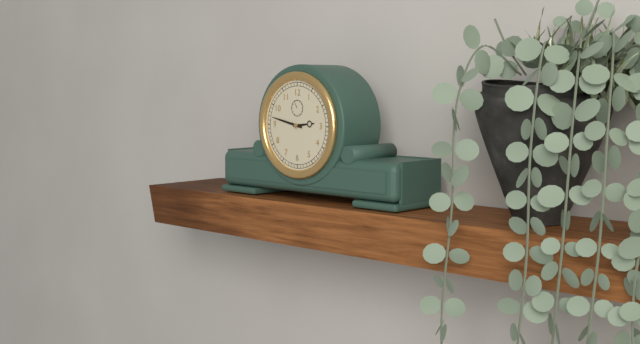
{"hour": 2, "minute": 47}
